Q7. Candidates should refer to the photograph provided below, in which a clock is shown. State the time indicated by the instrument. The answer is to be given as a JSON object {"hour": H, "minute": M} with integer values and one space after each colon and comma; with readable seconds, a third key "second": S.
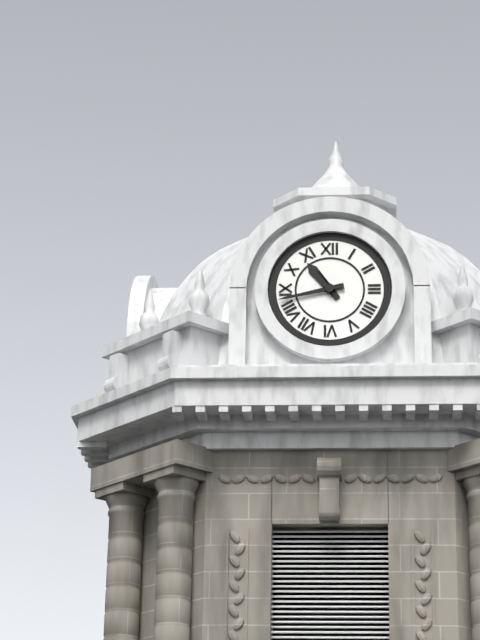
{"hour": 10, "minute": 43}
